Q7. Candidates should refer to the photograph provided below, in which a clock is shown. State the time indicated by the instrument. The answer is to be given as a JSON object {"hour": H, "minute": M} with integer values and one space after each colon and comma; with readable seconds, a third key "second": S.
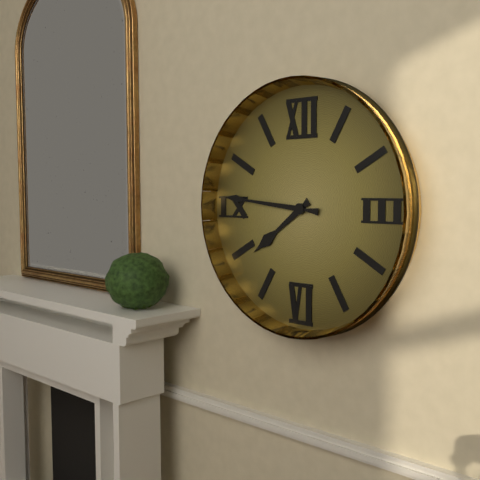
{"hour": 7, "minute": 46}
